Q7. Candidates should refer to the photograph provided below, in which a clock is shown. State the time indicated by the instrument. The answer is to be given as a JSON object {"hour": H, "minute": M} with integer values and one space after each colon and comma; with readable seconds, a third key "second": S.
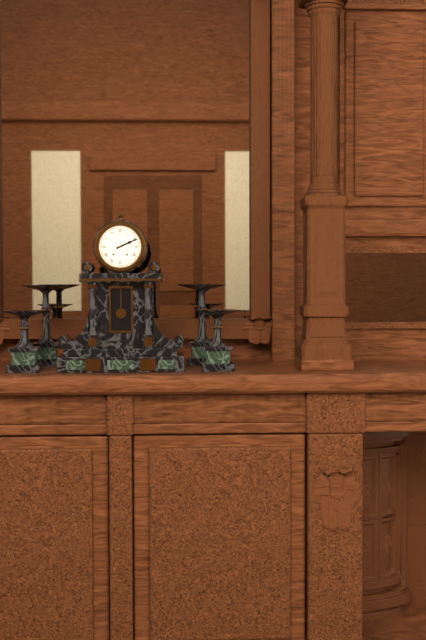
{"hour": 2, "minute": 11}
